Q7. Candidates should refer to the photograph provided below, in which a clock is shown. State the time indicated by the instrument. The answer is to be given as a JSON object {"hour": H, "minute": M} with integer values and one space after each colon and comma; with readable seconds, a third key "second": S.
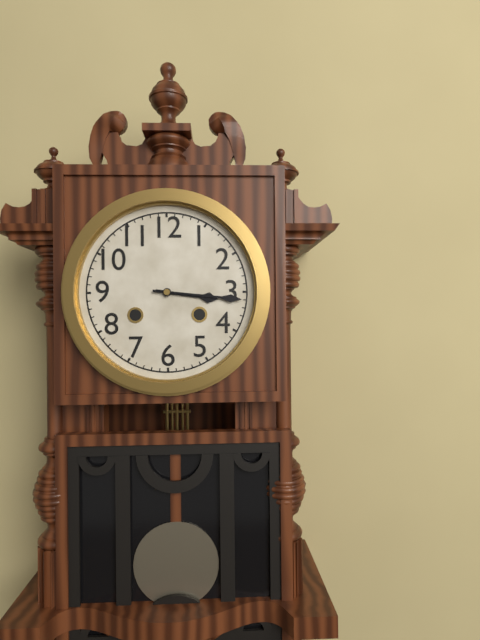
{"hour": 3, "minute": 16}
